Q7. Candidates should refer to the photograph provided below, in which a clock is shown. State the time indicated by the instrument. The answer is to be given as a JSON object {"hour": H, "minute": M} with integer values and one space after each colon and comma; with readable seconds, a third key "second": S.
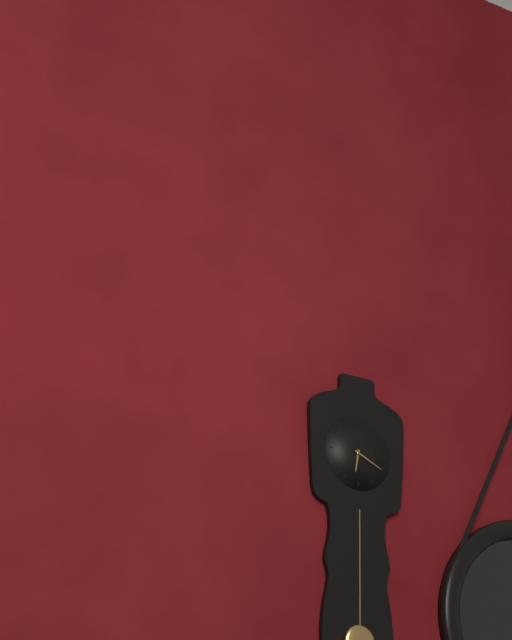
{"hour": 6, "minute": 19}
